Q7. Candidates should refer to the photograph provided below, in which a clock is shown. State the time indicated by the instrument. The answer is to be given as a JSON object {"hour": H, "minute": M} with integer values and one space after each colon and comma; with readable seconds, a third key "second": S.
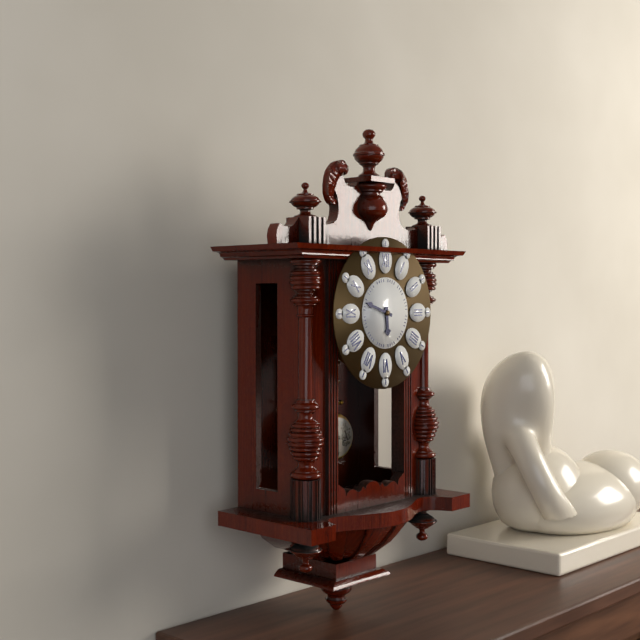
{"hour": 5, "minute": 48}
